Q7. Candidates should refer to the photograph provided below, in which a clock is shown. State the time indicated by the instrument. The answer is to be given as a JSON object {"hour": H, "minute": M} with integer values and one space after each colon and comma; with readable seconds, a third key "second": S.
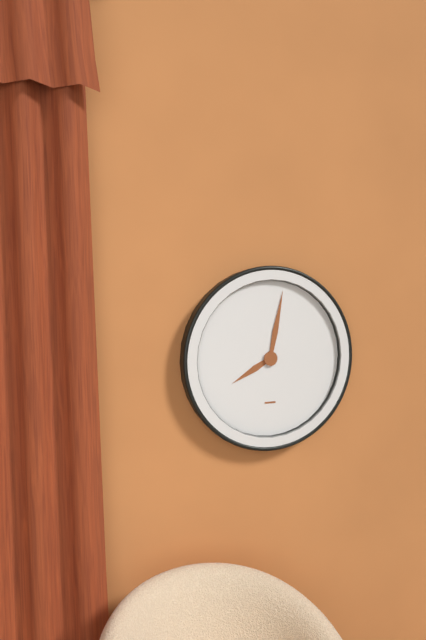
{"hour": 8, "minute": 2}
